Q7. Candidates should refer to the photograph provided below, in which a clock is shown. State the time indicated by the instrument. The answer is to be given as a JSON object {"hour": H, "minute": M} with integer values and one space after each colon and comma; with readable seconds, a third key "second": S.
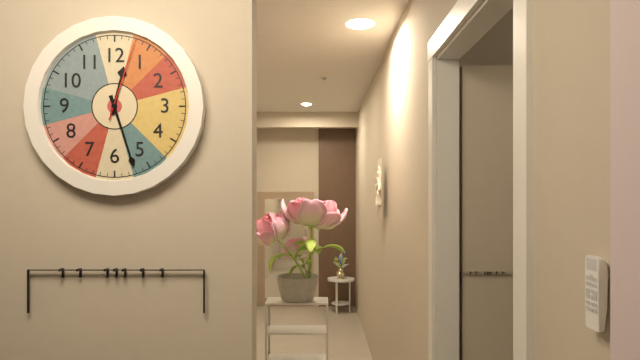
{"hour": 12, "minute": 27, "second": 3}
